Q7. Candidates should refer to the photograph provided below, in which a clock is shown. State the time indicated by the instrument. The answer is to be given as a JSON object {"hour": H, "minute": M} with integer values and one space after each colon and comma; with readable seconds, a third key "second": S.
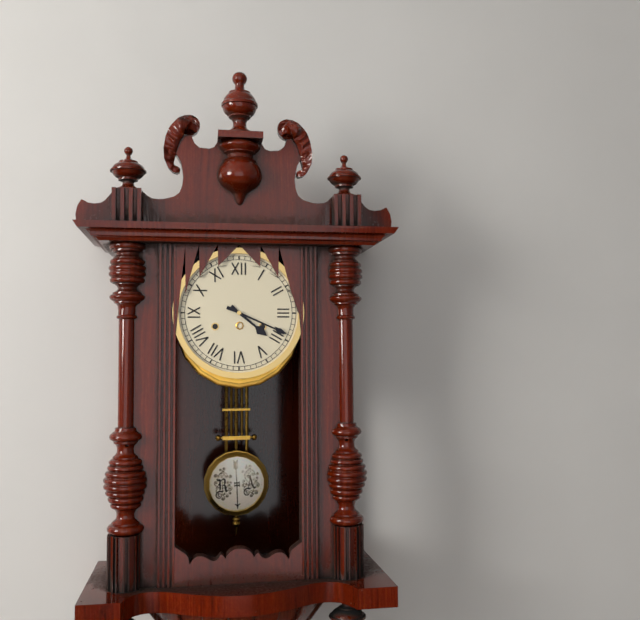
{"hour": 4, "minute": 19}
